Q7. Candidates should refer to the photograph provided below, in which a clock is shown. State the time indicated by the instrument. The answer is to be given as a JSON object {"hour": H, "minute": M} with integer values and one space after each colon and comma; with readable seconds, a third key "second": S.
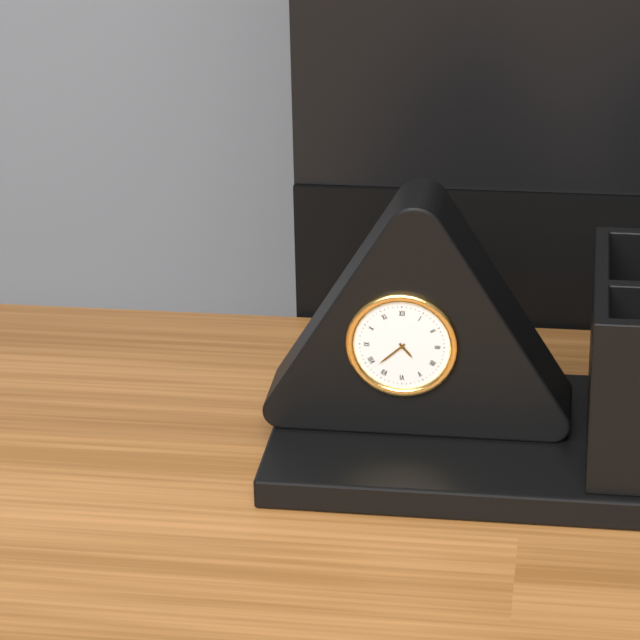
{"hour": 4, "minute": 38}
